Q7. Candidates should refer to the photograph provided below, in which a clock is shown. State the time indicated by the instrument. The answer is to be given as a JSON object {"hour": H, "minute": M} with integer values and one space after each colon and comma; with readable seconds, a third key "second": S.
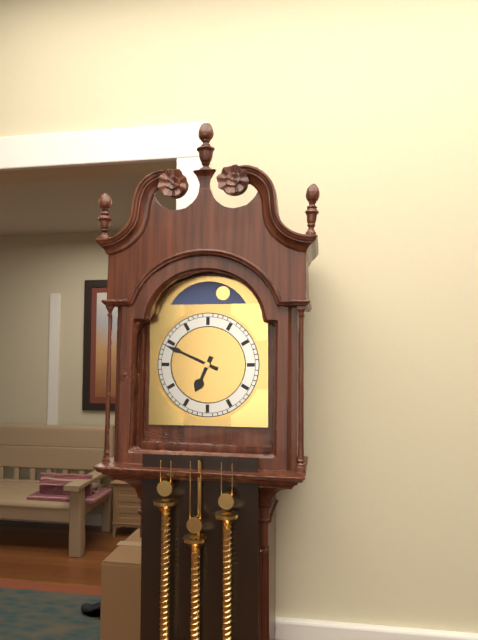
{"hour": 6, "minute": 49}
